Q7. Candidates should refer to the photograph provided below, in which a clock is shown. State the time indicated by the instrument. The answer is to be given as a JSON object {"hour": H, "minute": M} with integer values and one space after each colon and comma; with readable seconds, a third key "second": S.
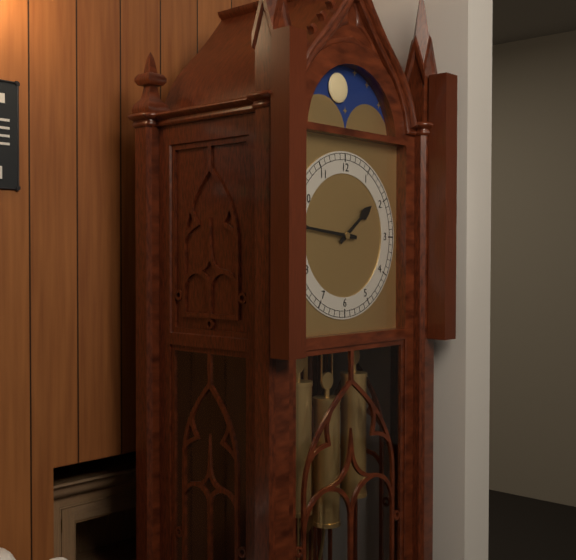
{"hour": 1, "minute": 46}
